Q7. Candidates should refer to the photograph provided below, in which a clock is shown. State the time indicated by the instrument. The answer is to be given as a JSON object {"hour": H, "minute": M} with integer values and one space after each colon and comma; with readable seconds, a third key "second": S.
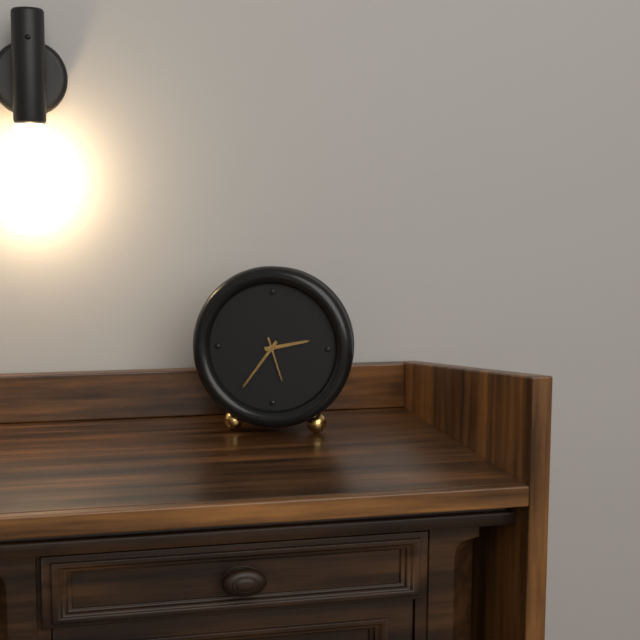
{"hour": 2, "minute": 36}
